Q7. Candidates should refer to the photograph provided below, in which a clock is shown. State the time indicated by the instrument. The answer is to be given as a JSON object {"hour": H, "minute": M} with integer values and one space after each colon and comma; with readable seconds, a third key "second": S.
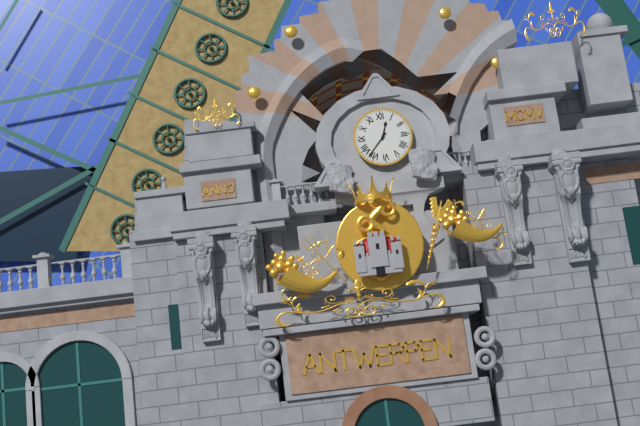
{"hour": 12, "minute": 37}
